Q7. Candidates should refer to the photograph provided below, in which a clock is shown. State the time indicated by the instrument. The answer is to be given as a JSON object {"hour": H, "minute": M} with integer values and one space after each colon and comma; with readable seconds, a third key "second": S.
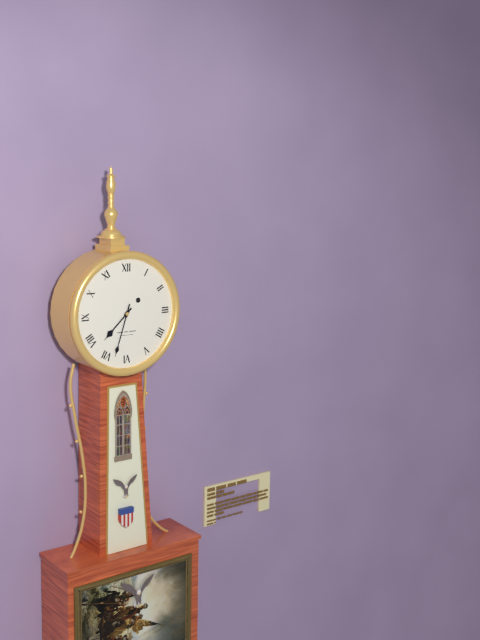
{"hour": 7, "minute": 33}
